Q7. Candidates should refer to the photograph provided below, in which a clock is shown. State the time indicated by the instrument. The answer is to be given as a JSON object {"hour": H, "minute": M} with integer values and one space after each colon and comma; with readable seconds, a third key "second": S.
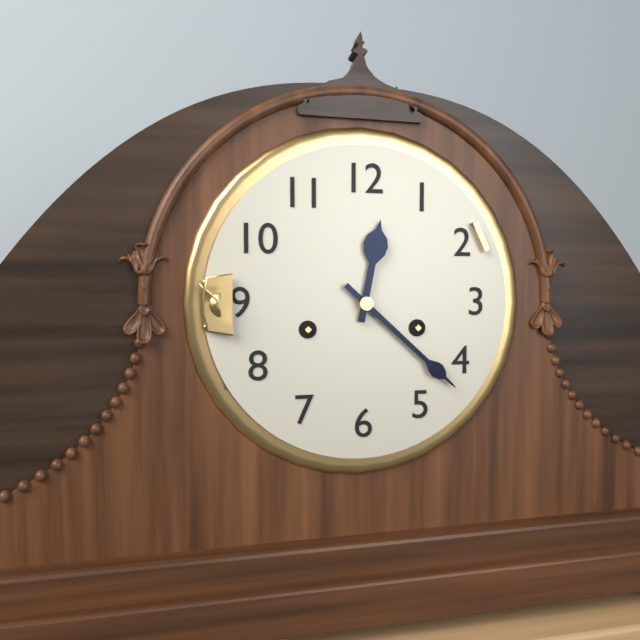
{"hour": 12, "minute": 22}
